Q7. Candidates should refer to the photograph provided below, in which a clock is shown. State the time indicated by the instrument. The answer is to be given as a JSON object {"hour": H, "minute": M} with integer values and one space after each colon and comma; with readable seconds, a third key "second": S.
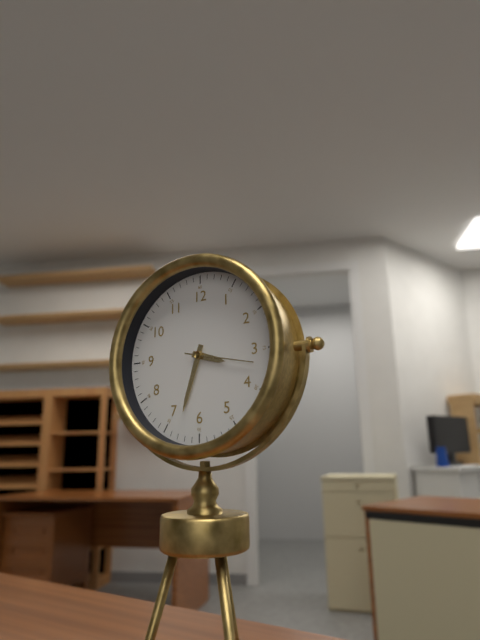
{"hour": 3, "minute": 33, "second": 17}
